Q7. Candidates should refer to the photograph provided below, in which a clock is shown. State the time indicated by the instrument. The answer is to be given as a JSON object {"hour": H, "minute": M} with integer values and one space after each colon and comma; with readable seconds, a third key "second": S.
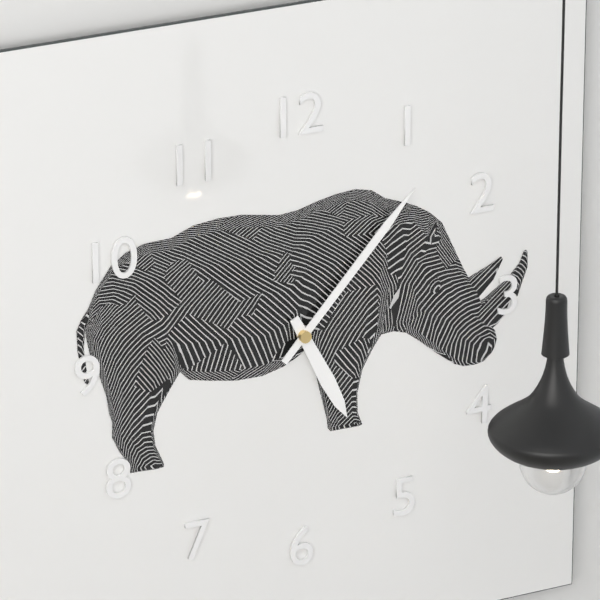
{"hour": 5, "minute": 7}
